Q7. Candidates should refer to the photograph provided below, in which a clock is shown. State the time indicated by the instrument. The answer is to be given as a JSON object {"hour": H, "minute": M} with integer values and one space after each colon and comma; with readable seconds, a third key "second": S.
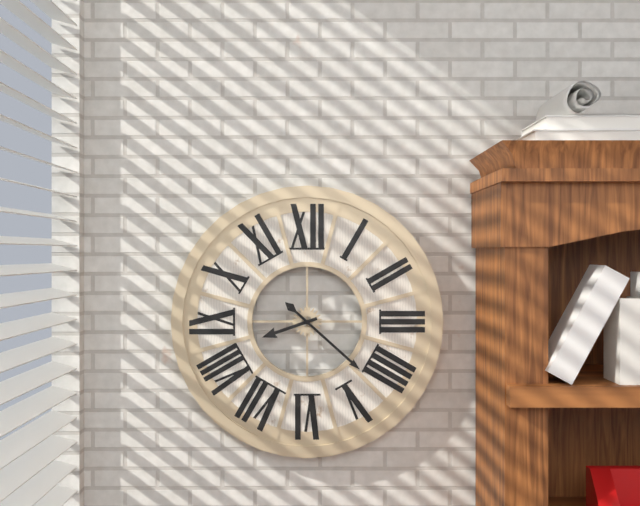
{"hour": 8, "minute": 22}
